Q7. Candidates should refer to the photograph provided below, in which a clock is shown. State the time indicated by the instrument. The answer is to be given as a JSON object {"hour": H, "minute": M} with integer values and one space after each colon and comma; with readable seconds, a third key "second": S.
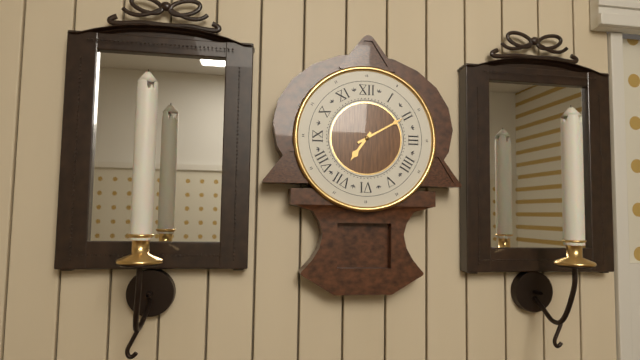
{"hour": 7, "minute": 10}
